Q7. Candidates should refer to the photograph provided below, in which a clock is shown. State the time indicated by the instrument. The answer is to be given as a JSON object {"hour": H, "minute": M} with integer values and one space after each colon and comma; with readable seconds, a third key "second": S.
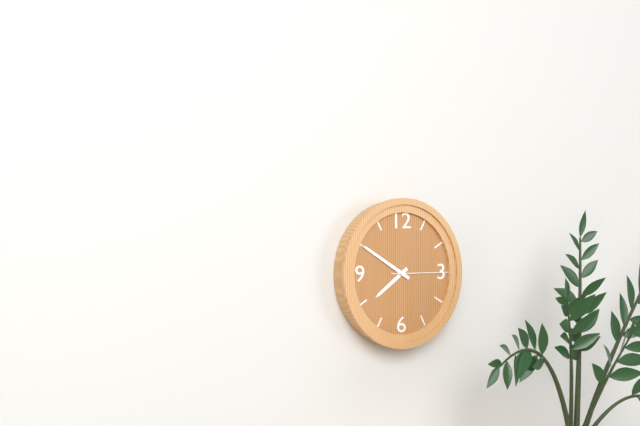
{"hour": 7, "minute": 50, "second": 15}
